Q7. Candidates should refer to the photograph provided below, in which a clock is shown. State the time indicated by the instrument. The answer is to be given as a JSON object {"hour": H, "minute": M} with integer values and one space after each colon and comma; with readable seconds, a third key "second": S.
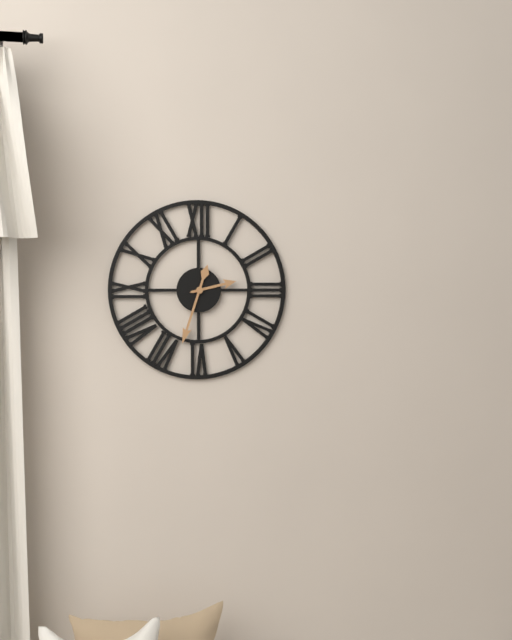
{"hour": 2, "minute": 33}
